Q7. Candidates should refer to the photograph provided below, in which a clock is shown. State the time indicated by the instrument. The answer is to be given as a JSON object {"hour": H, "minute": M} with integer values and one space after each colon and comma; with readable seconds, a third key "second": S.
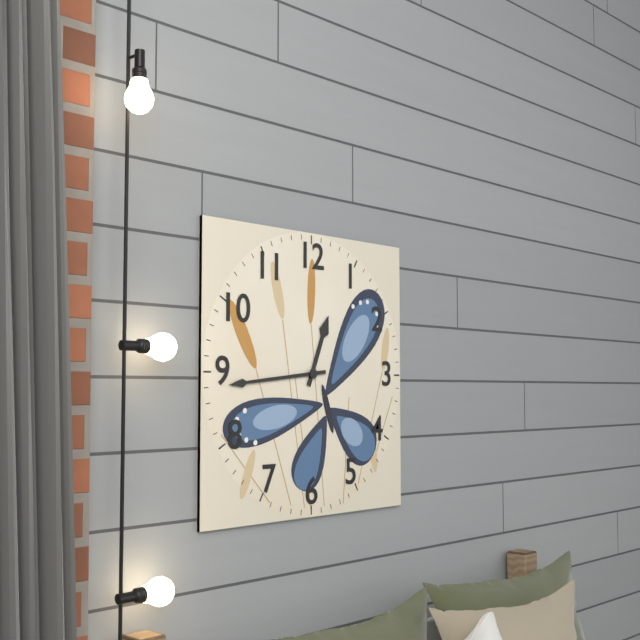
{"hour": 12, "minute": 44}
